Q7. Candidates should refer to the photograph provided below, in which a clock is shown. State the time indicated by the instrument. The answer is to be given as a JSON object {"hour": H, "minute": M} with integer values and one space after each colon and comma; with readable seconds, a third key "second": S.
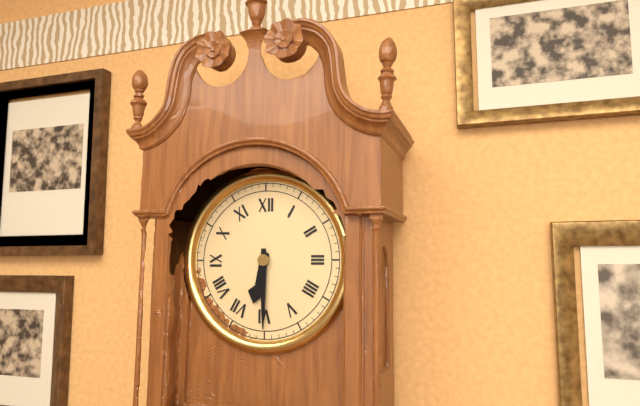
{"hour": 6, "minute": 30}
